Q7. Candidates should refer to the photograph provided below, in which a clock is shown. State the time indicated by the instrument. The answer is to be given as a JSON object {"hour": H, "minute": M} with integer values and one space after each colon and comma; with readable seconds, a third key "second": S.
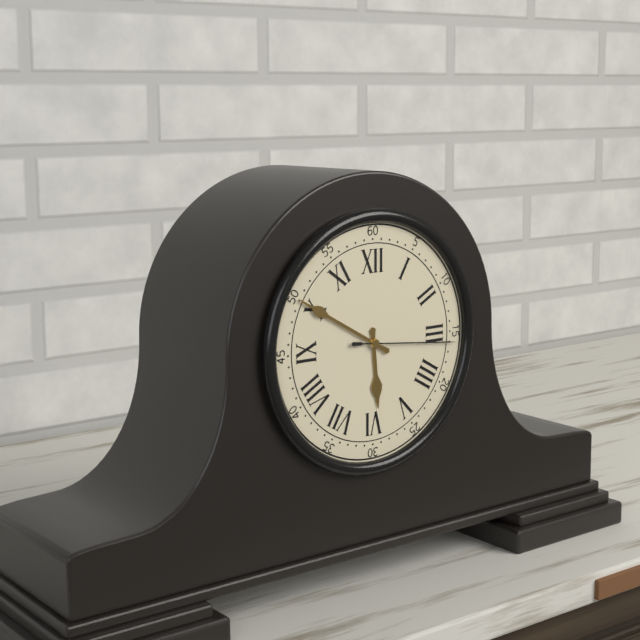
{"hour": 5, "minute": 50, "second": 16}
